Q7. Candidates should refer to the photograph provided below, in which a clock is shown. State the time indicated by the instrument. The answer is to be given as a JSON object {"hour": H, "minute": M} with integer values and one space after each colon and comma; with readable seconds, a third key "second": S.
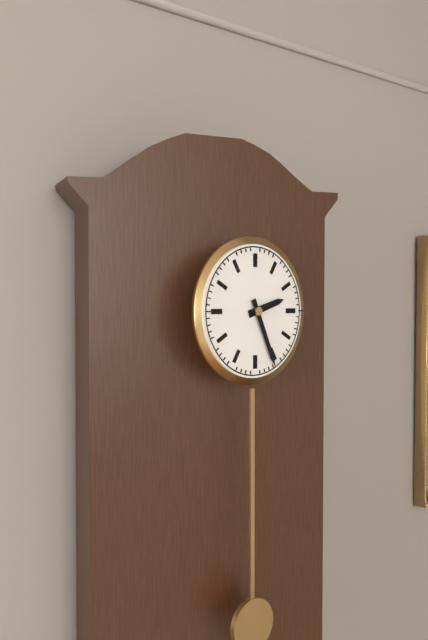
{"hour": 2, "minute": 26}
